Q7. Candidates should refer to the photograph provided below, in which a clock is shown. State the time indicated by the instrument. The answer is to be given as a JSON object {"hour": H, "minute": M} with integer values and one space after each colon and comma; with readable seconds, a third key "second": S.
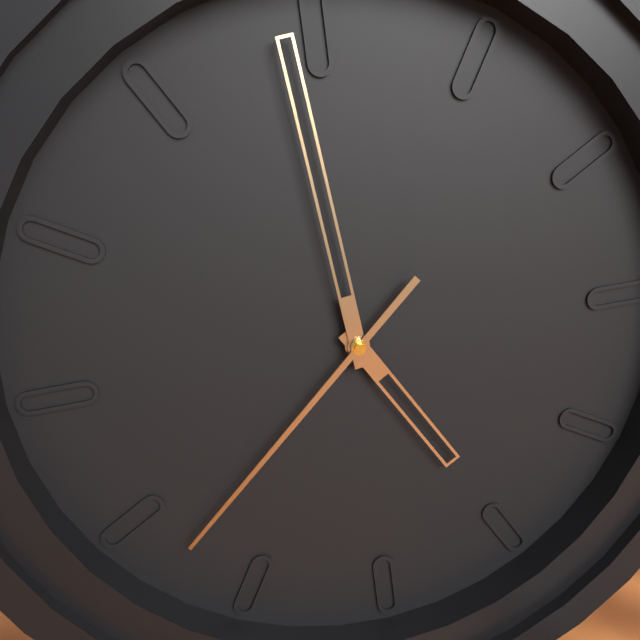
{"hour": 4, "minute": 59, "second": 38}
